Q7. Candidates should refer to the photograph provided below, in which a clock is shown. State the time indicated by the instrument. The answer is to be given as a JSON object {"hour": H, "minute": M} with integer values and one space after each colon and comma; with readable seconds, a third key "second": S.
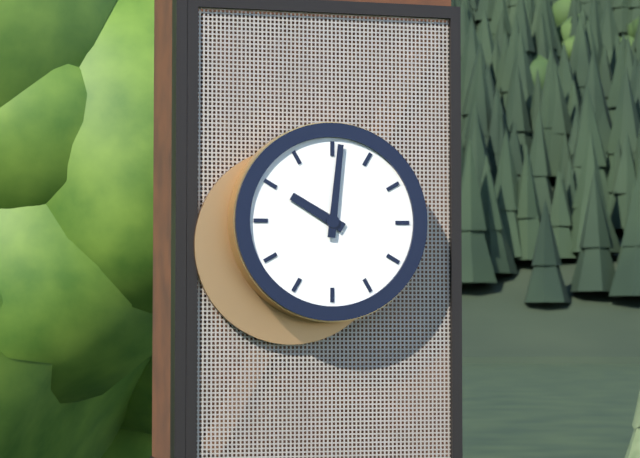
{"hour": 10, "minute": 1}
